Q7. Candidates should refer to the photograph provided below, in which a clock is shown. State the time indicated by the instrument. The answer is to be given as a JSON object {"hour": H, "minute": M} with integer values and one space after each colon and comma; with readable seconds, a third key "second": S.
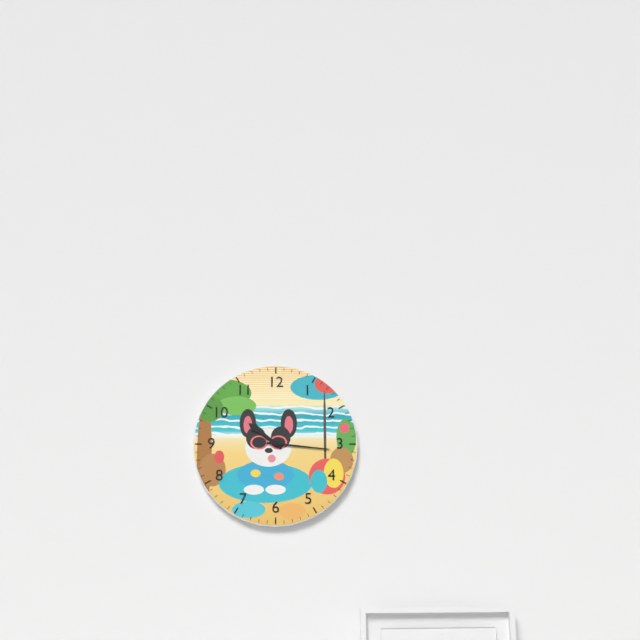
{"hour": 10, "minute": 16}
